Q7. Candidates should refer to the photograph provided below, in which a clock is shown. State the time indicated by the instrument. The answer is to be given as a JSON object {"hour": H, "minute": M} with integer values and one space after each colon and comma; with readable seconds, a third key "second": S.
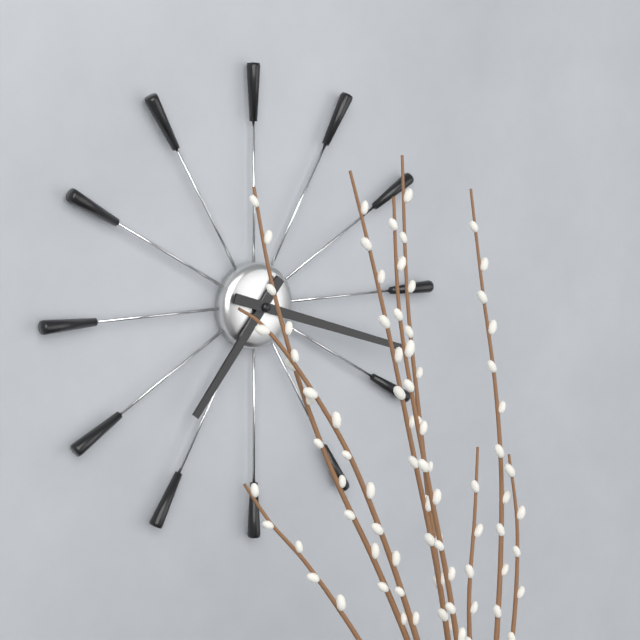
{"hour": 7, "minute": 18}
